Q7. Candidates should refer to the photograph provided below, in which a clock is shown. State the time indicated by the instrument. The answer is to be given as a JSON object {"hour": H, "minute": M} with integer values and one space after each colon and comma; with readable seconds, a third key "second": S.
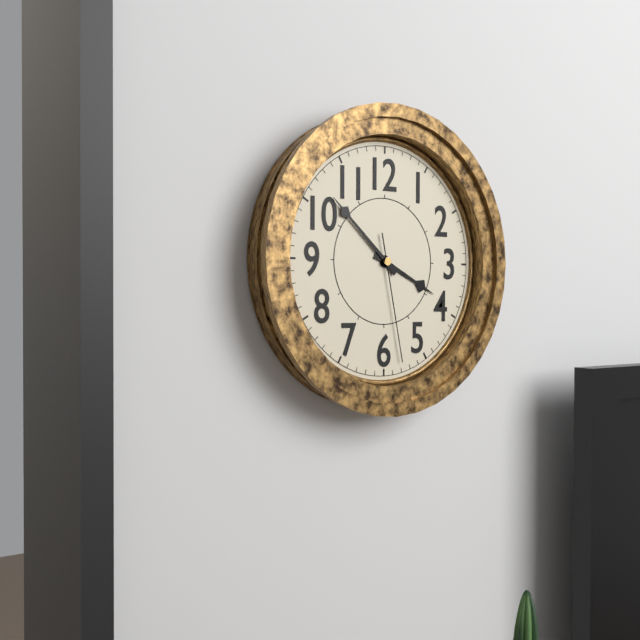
{"hour": 3, "minute": 52, "second": 28}
